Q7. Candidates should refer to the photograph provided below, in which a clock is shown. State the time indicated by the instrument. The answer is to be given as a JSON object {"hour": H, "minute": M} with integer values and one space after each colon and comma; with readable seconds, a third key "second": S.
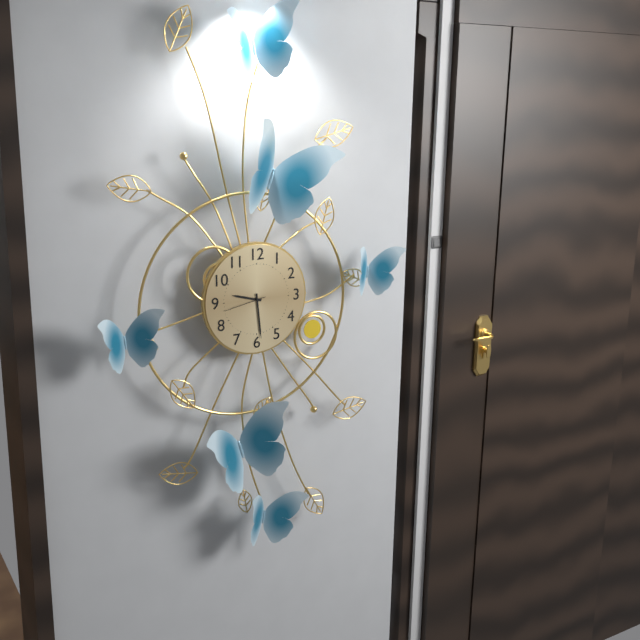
{"hour": 9, "minute": 29}
